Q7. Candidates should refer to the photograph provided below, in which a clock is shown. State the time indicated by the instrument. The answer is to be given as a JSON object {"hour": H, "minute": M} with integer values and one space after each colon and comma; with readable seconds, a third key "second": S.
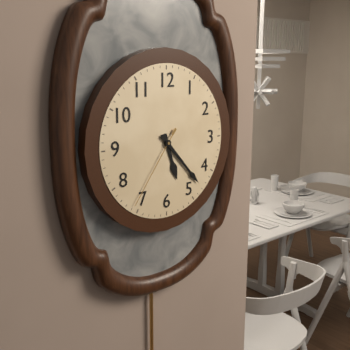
{"hour": 5, "minute": 23, "second": 36}
